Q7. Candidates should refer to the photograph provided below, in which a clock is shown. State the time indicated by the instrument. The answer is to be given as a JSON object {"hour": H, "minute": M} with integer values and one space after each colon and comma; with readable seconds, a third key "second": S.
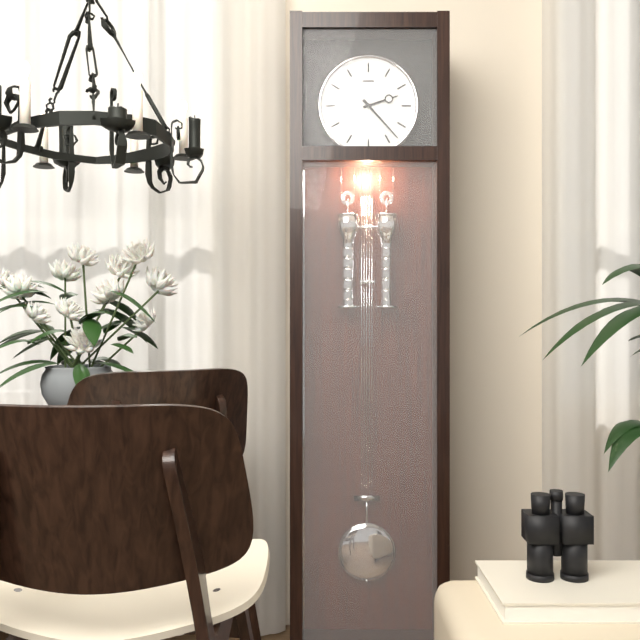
{"hour": 2, "minute": 23}
